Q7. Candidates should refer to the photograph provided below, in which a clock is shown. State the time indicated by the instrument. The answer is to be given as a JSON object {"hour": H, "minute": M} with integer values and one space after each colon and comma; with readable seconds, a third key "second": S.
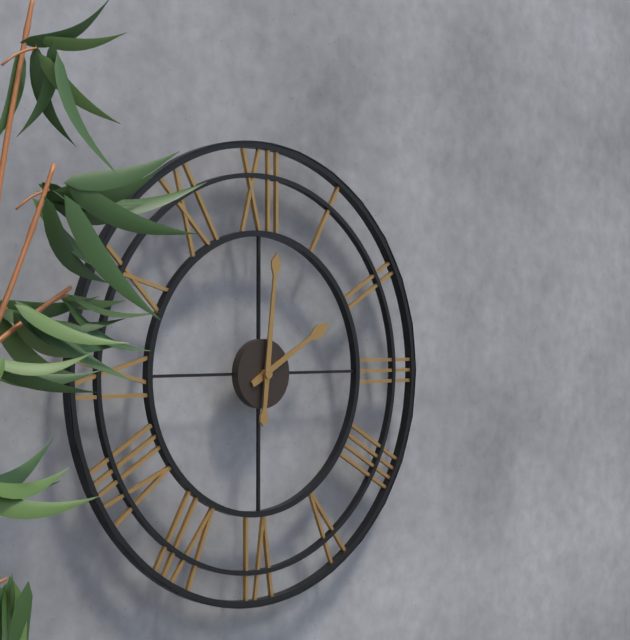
{"hour": 2, "minute": 1}
